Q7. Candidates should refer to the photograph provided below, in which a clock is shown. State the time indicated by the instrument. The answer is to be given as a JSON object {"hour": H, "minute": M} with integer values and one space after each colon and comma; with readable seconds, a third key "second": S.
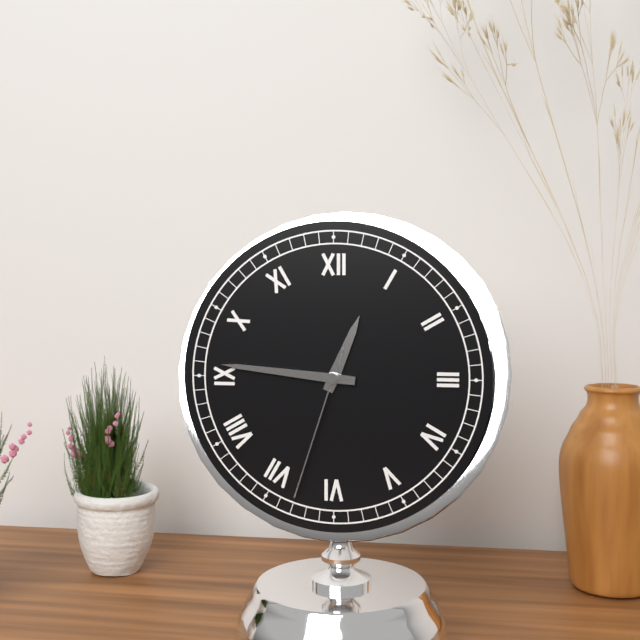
{"hour": 12, "minute": 46, "second": 33}
